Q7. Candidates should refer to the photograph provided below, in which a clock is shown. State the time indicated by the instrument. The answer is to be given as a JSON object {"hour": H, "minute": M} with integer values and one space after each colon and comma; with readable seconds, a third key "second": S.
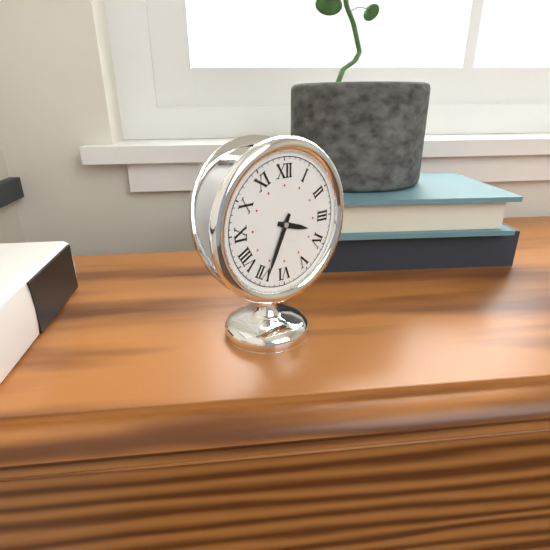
{"hour": 3, "minute": 34}
